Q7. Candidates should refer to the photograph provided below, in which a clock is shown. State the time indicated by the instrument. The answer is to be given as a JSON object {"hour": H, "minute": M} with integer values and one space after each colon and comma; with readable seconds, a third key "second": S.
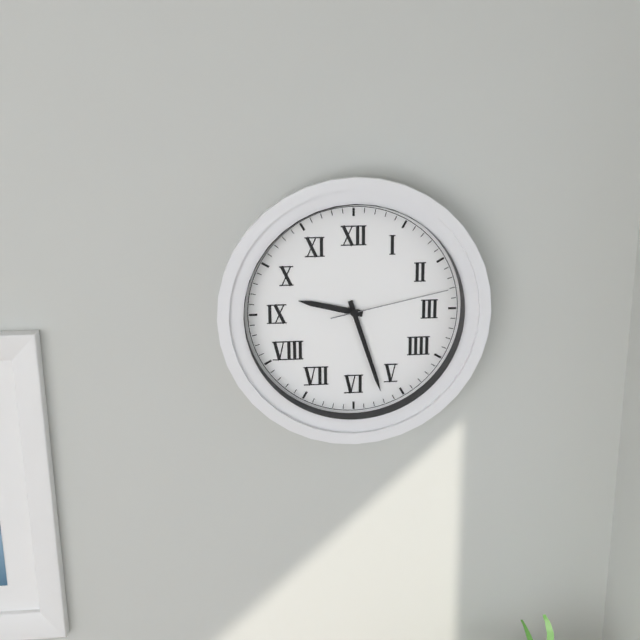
{"hour": 9, "minute": 27, "second": 13}
